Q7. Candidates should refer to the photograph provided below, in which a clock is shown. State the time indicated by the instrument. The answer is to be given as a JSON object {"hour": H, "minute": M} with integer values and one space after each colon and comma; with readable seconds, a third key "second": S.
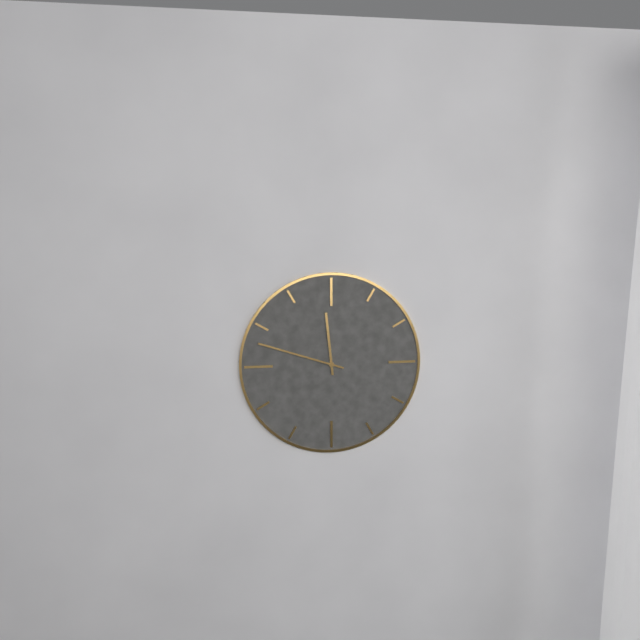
{"hour": 11, "minute": 48}
